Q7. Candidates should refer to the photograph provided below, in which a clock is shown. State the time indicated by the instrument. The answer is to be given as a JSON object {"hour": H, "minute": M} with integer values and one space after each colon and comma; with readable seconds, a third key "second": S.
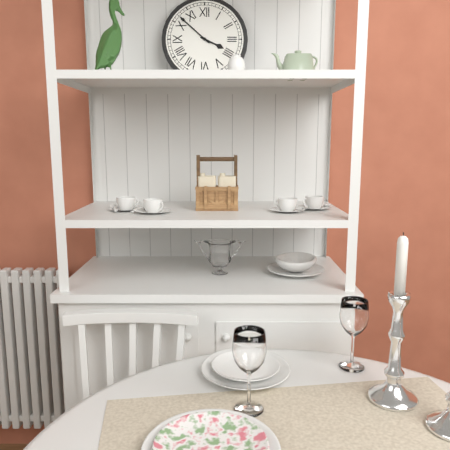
{"hour": 3, "minute": 52}
